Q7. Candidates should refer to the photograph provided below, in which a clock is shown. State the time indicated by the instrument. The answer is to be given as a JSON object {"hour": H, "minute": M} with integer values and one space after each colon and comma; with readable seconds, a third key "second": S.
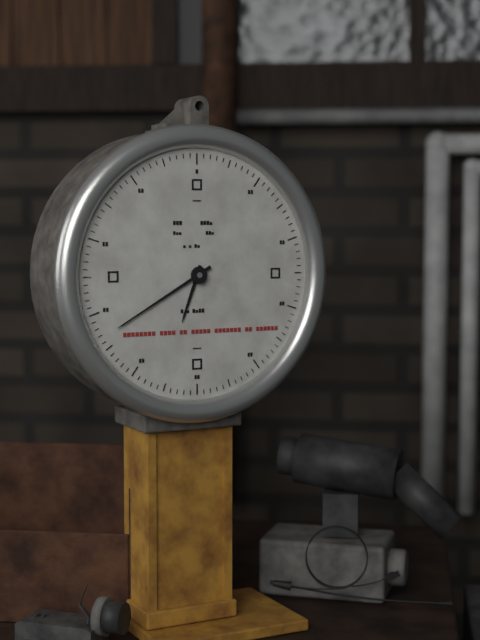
{"hour": 6, "minute": 40}
